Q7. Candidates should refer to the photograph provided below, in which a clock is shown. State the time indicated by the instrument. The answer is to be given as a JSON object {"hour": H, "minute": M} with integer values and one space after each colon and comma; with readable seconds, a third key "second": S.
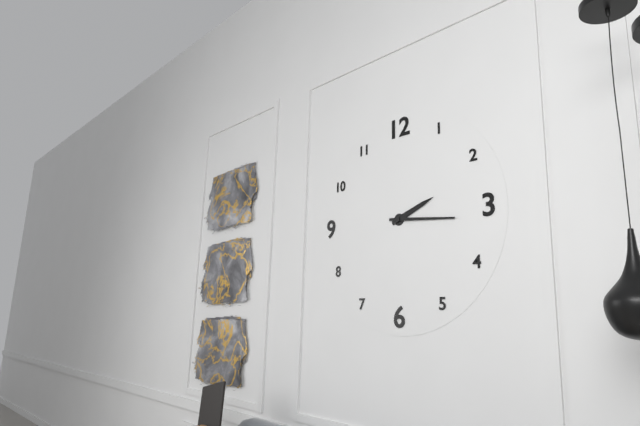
{"hour": 2, "minute": 16}
